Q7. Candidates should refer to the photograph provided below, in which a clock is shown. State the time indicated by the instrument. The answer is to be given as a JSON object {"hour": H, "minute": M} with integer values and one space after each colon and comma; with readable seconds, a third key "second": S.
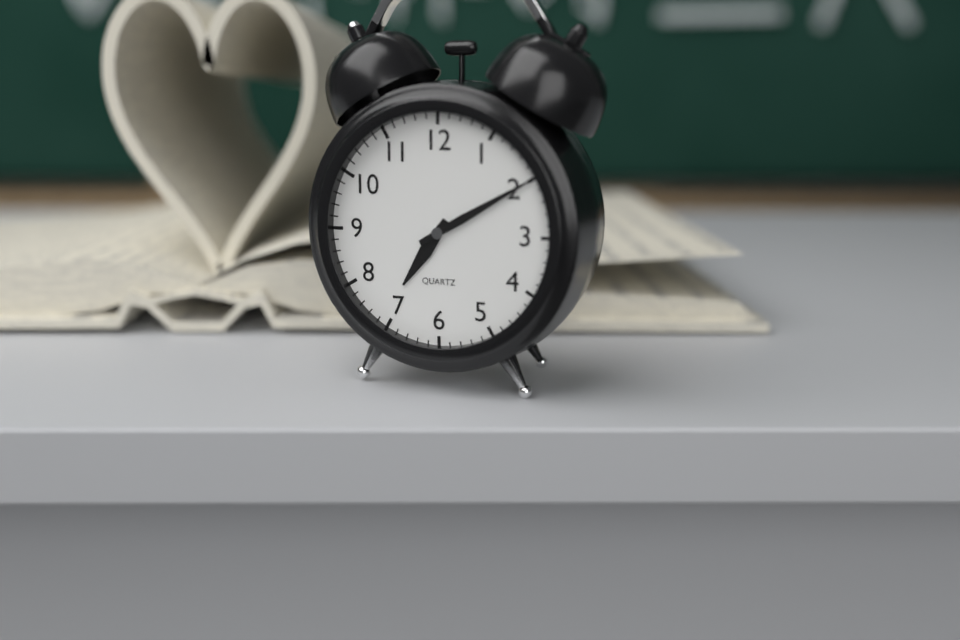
{"hour": 7, "minute": 10}
